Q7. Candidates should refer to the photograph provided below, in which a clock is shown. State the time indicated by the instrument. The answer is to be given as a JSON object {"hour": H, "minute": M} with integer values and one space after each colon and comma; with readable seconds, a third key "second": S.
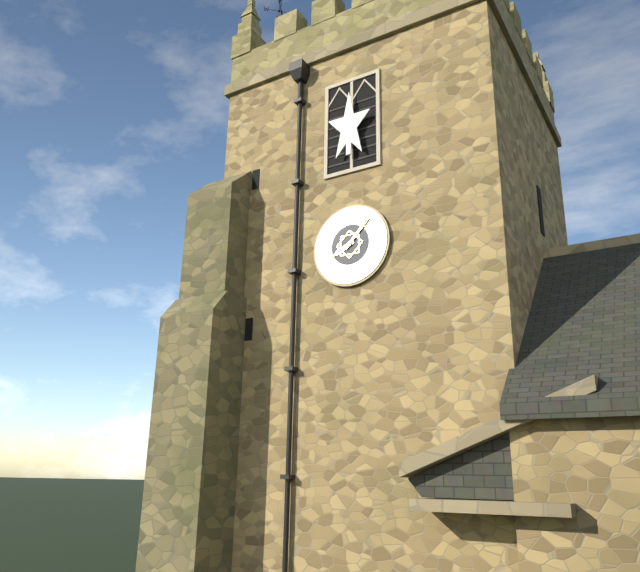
{"hour": 8, "minute": 7}
